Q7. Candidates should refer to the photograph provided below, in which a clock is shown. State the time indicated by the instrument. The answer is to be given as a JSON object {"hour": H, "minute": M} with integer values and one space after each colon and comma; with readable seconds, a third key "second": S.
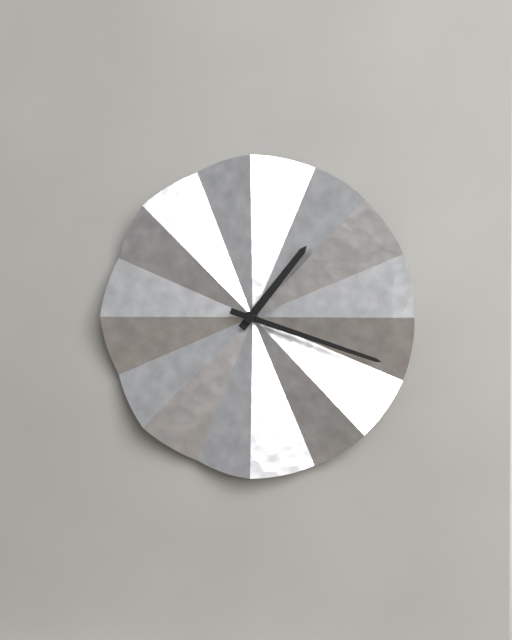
{"hour": 1, "minute": 18}
